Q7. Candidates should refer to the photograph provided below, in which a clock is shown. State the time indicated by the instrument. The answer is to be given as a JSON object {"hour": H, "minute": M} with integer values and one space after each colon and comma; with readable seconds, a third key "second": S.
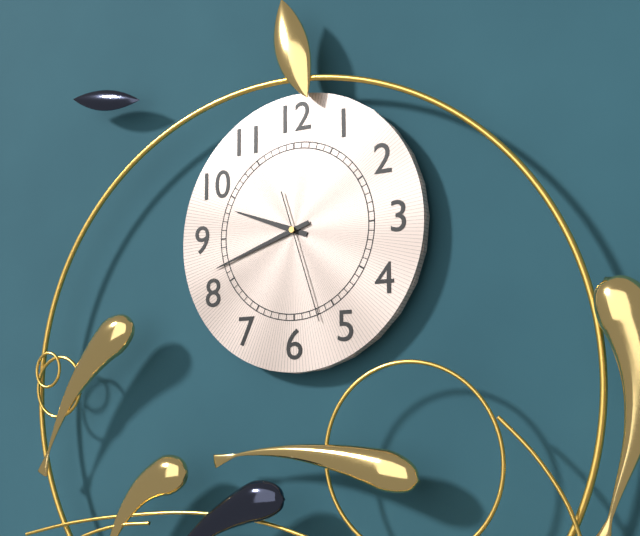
{"hour": 9, "minute": 42, "second": 27}
